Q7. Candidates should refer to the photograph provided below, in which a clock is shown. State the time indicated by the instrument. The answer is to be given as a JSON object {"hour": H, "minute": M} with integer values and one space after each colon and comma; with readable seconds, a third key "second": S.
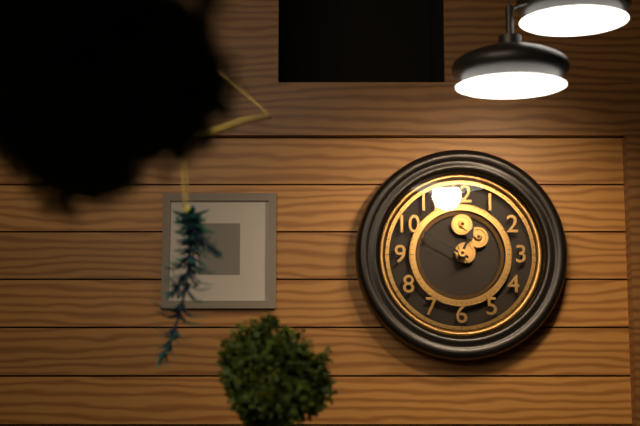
{"hour": 12, "minute": 50, "second": 55}
